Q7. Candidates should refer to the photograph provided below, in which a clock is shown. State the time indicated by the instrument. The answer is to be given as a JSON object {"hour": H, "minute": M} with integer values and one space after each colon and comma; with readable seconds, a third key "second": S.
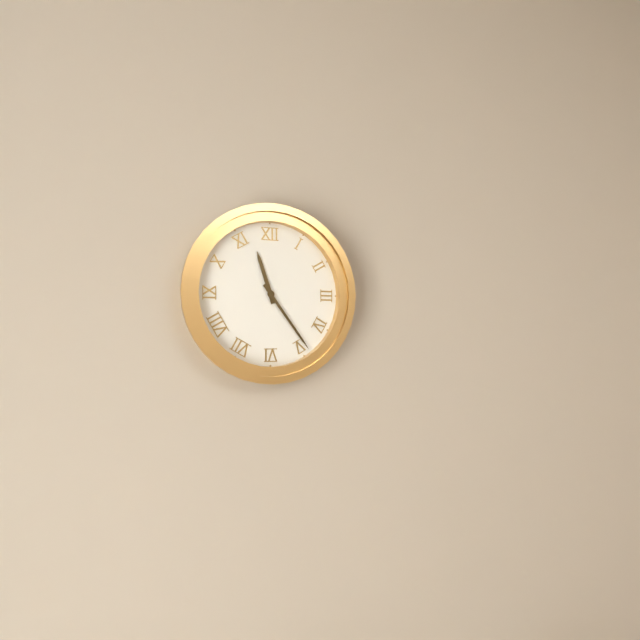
{"hour": 11, "minute": 24}
